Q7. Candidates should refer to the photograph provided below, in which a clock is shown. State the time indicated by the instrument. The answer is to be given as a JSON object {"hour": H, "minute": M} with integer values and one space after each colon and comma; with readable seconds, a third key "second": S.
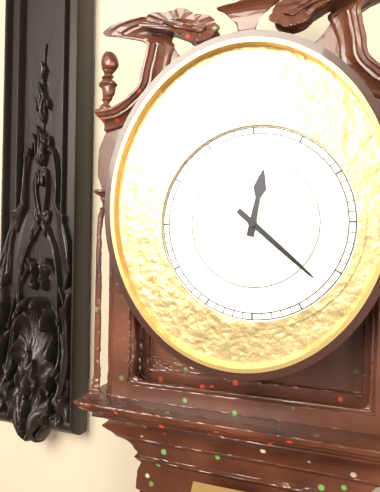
{"hour": 12, "minute": 22}
